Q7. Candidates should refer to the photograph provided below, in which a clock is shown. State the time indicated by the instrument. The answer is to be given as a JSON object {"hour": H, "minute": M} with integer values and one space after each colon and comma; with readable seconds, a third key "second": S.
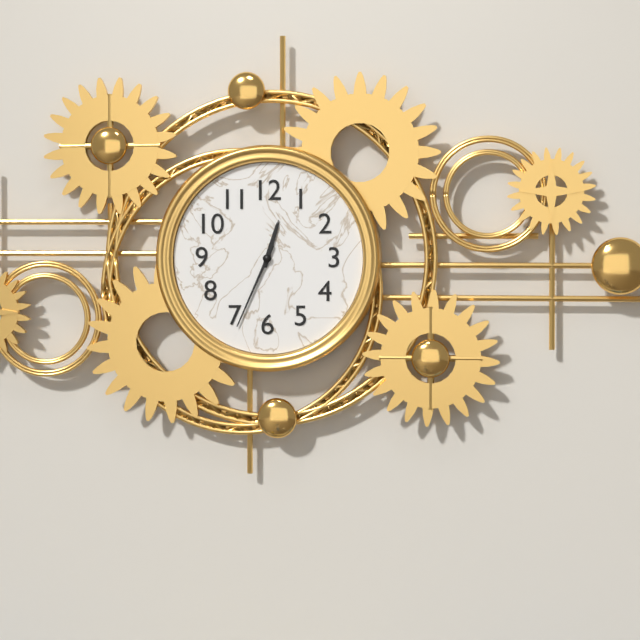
{"hour": 12, "minute": 34}
